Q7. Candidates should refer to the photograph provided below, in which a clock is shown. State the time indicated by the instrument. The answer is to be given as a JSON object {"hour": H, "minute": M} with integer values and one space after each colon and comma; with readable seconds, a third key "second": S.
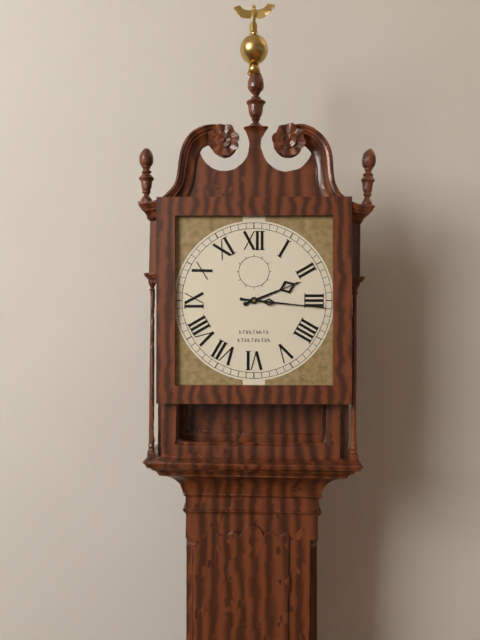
{"hour": 2, "minute": 16}
